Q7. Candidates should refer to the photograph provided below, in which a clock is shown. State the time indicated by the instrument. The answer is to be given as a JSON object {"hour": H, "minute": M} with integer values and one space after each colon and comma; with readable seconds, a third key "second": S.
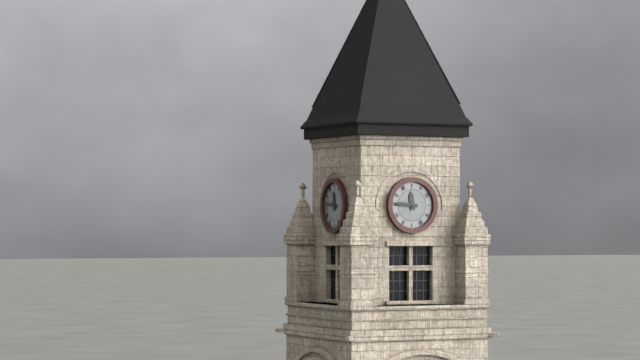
{"hour": 11, "minute": 46}
